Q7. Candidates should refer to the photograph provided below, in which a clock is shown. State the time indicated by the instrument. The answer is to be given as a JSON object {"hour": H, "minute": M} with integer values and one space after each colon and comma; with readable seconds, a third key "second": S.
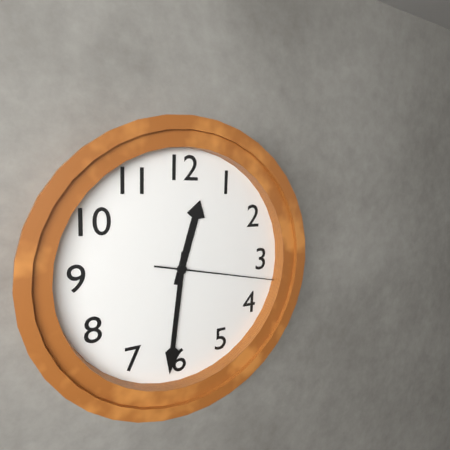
{"hour": 12, "minute": 31, "second": 17}
